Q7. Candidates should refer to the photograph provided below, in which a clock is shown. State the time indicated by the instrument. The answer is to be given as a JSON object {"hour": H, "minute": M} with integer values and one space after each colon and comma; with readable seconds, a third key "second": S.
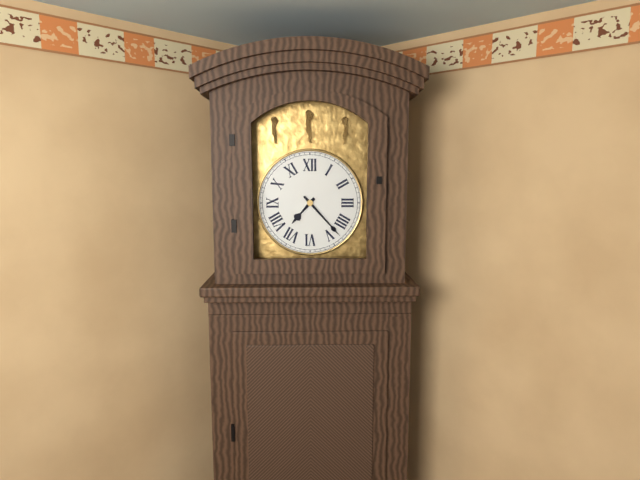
{"hour": 7, "minute": 23}
